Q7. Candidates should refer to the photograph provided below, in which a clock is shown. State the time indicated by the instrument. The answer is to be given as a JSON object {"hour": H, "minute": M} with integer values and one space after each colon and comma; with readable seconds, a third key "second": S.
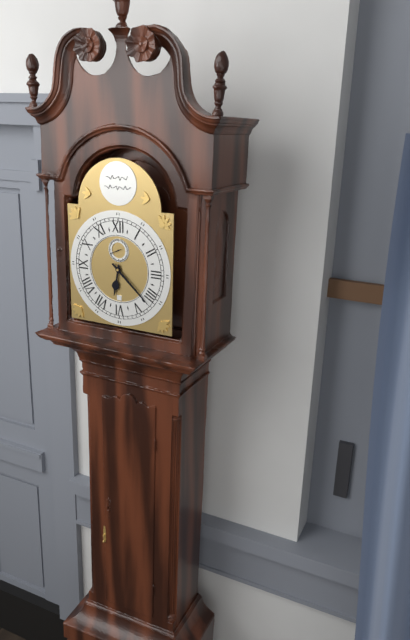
{"hour": 6, "minute": 22}
